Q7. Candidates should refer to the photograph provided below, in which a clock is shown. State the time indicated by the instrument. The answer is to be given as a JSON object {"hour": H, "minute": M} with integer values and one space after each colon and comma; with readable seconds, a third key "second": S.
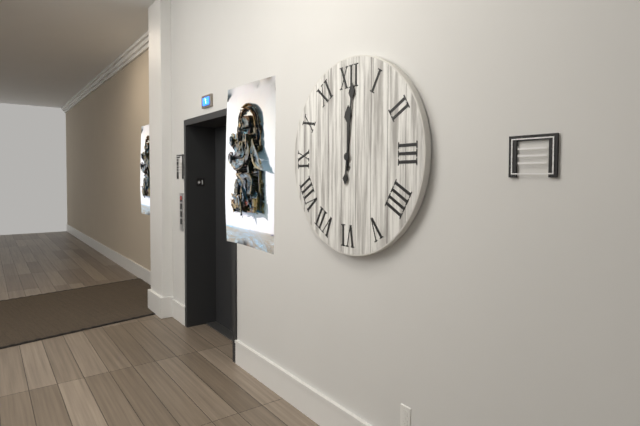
{"hour": 12, "minute": 1}
